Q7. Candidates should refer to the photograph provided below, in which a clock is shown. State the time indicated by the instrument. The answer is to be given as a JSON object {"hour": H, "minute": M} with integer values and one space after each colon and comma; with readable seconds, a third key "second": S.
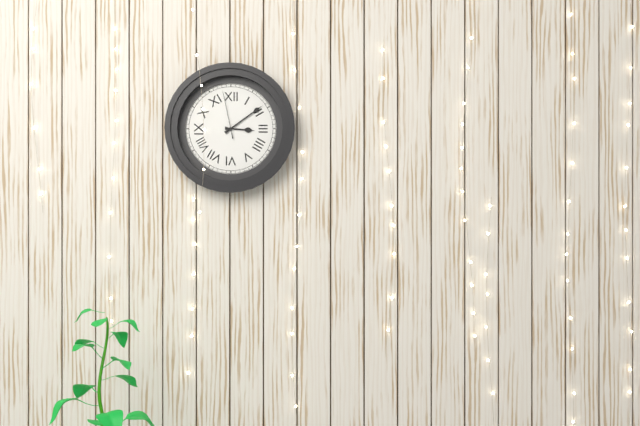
{"hour": 3, "minute": 9, "second": 58}
